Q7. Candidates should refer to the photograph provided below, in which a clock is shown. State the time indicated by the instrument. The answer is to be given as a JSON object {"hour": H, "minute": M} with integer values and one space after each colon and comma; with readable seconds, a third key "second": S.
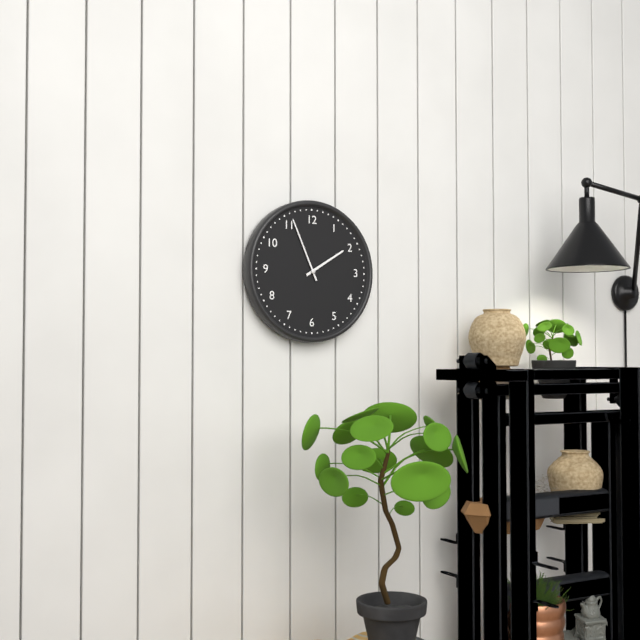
{"hour": 1, "minute": 56}
